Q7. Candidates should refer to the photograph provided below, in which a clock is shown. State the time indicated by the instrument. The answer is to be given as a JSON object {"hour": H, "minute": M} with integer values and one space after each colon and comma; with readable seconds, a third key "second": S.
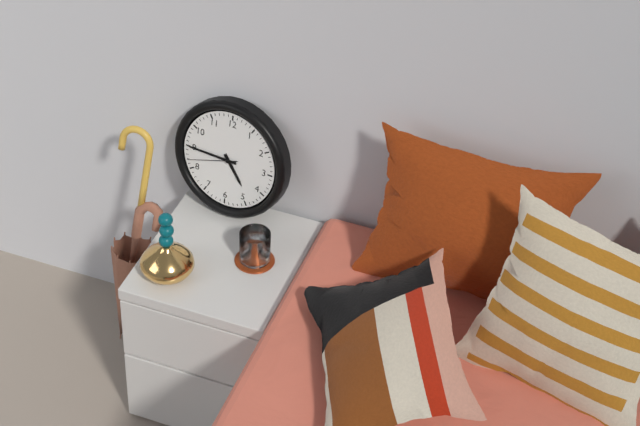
{"hour": 4, "minute": 45, "second": 42}
